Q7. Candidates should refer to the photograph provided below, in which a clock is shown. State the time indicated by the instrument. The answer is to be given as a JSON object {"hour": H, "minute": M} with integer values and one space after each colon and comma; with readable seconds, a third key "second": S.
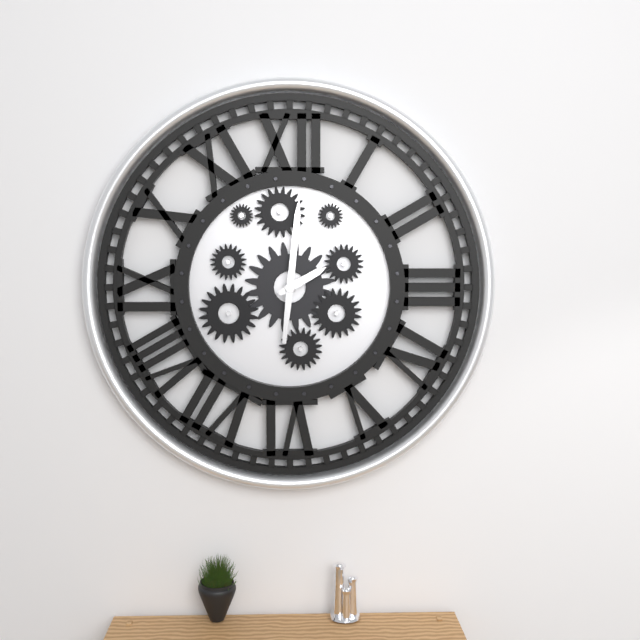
{"hour": 2, "minute": 1}
